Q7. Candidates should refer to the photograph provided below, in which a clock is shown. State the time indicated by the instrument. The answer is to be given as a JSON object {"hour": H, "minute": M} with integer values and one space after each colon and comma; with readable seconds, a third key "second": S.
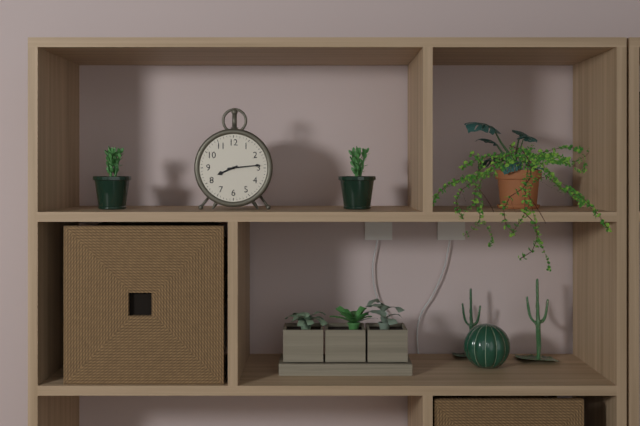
{"hour": 8, "minute": 14}
